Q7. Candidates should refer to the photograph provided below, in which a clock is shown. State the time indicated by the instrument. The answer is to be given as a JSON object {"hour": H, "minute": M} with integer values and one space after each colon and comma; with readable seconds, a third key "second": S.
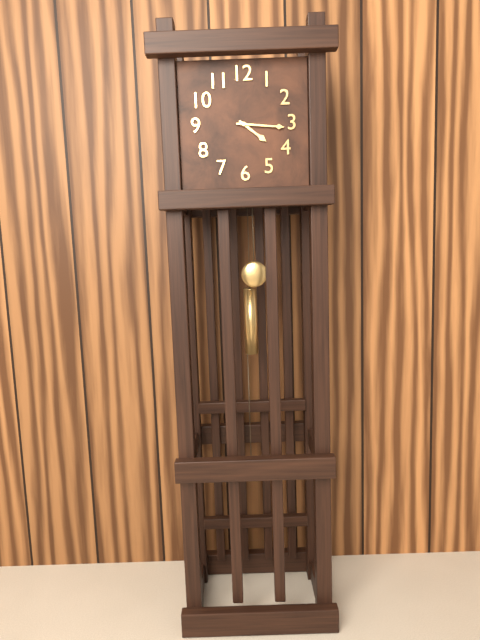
{"hour": 4, "minute": 16}
